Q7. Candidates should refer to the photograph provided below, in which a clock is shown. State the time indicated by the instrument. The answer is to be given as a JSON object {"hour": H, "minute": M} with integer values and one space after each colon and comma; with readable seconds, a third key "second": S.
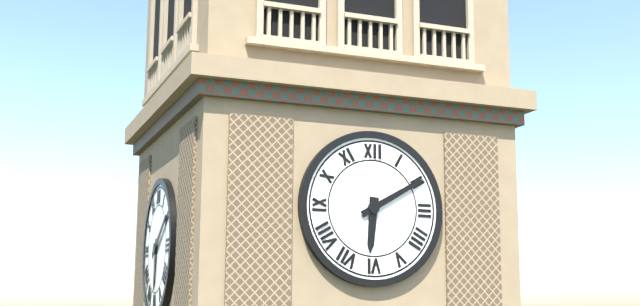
{"hour": 6, "minute": 10}
